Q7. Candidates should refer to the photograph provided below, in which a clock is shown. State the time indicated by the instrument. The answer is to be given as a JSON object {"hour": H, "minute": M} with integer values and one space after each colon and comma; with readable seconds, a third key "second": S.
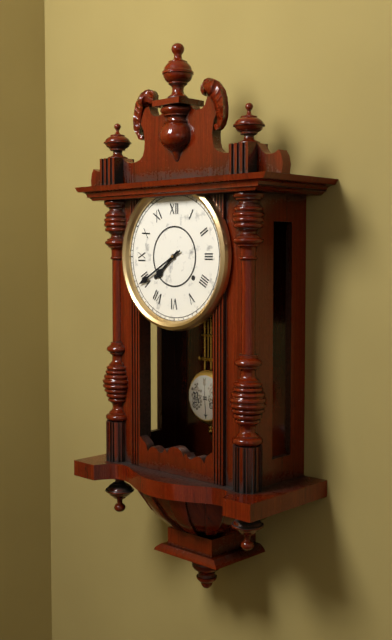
{"hour": 7, "minute": 40}
